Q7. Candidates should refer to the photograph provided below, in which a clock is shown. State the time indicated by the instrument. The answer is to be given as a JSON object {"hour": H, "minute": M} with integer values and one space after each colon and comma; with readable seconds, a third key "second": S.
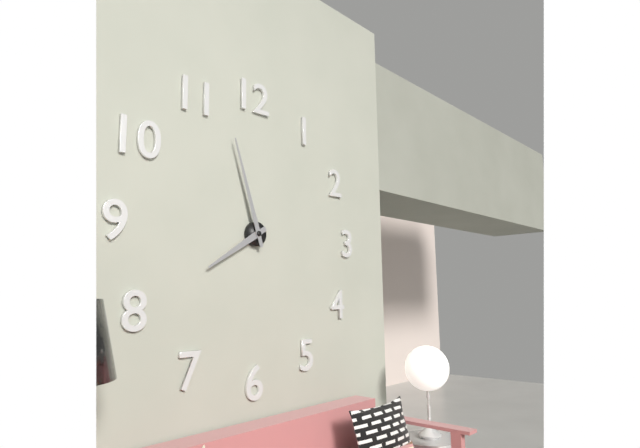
{"hour": 7, "minute": 57}
